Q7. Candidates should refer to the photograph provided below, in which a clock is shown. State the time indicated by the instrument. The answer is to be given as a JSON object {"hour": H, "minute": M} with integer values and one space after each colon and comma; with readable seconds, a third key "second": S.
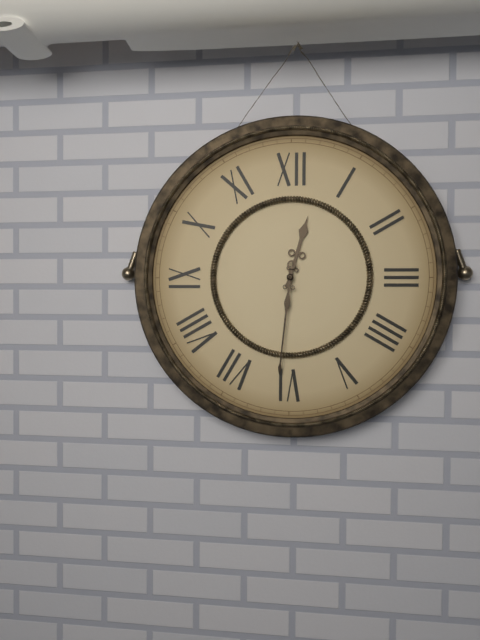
{"hour": 12, "minute": 31}
